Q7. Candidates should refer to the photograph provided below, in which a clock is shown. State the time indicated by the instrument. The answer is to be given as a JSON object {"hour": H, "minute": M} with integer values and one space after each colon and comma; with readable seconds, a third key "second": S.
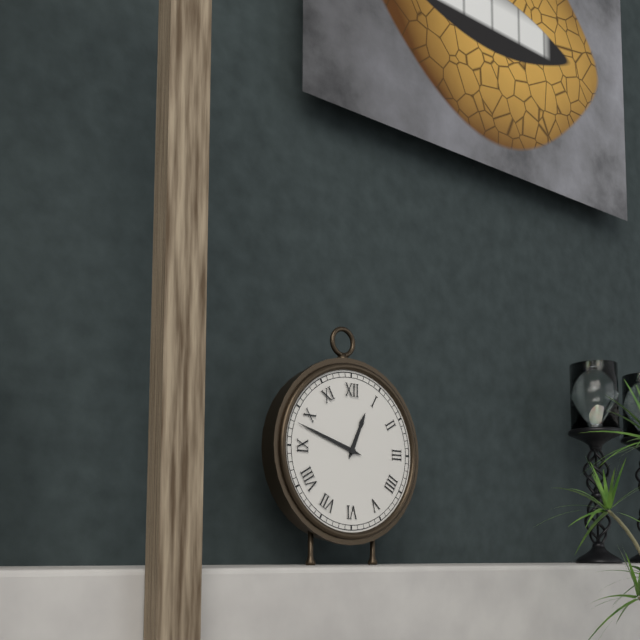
{"hour": 12, "minute": 48}
